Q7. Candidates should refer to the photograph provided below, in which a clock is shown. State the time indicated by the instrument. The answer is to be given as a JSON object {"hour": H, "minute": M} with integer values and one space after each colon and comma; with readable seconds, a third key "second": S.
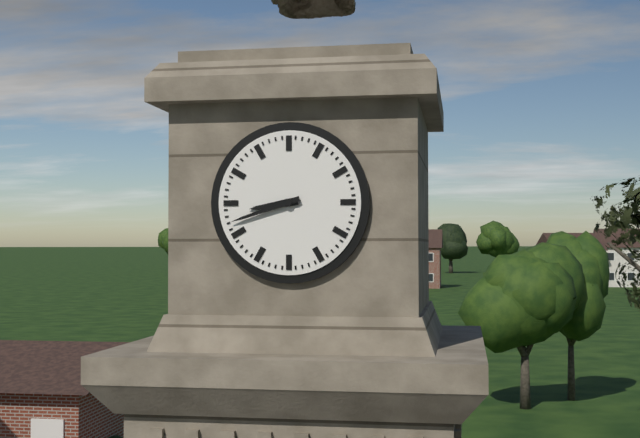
{"hour": 8, "minute": 42}
